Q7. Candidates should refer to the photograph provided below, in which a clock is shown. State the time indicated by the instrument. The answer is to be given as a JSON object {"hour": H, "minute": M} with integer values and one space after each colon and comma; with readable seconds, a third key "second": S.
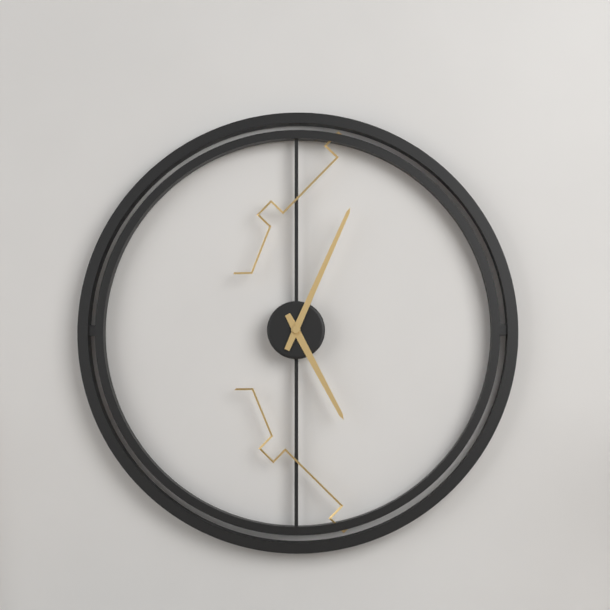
{"hour": 5, "minute": 4}
